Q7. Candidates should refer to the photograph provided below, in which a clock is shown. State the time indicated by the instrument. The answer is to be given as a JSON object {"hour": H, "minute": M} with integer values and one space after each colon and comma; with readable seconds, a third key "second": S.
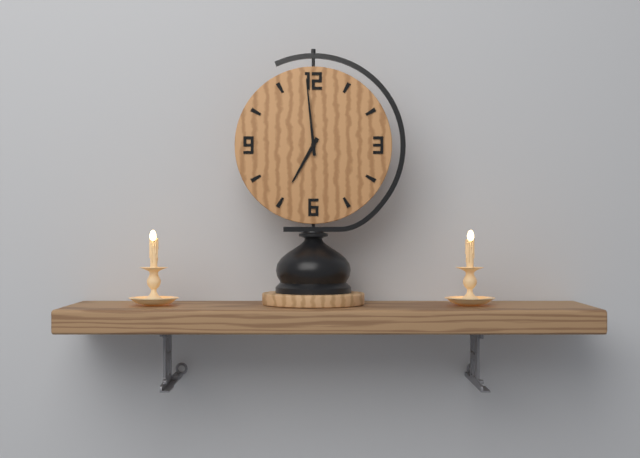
{"hour": 6, "minute": 59}
